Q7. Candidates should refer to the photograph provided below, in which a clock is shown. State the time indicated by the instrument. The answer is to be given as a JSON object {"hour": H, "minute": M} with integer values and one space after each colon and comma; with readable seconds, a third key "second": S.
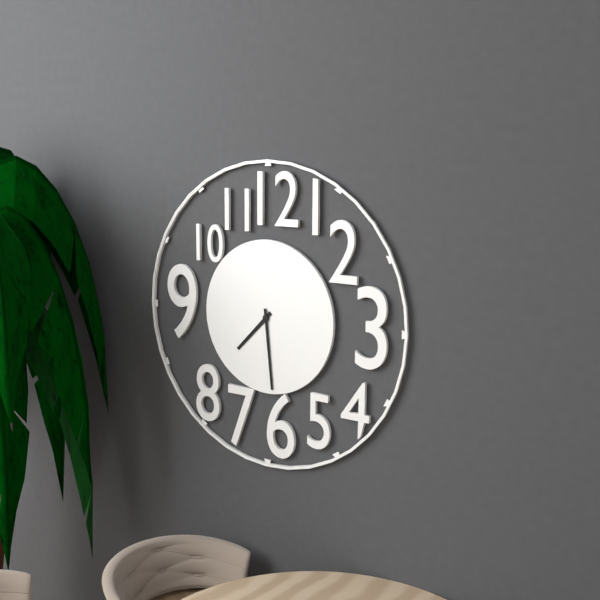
{"hour": 7, "minute": 29}
